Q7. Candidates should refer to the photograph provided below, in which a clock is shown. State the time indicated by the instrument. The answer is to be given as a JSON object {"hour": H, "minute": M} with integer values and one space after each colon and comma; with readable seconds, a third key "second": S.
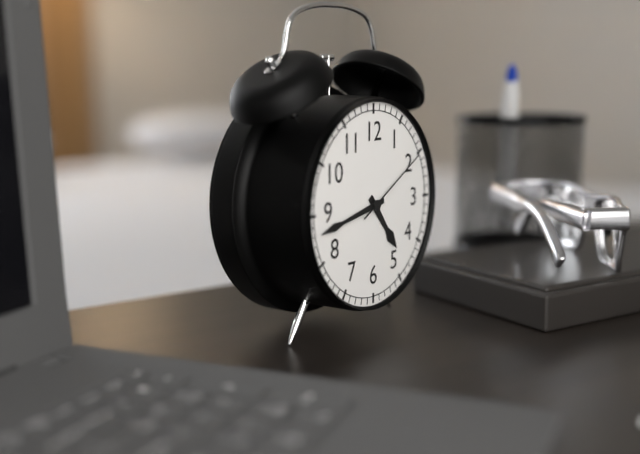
{"hour": 4, "minute": 43, "second": 10}
